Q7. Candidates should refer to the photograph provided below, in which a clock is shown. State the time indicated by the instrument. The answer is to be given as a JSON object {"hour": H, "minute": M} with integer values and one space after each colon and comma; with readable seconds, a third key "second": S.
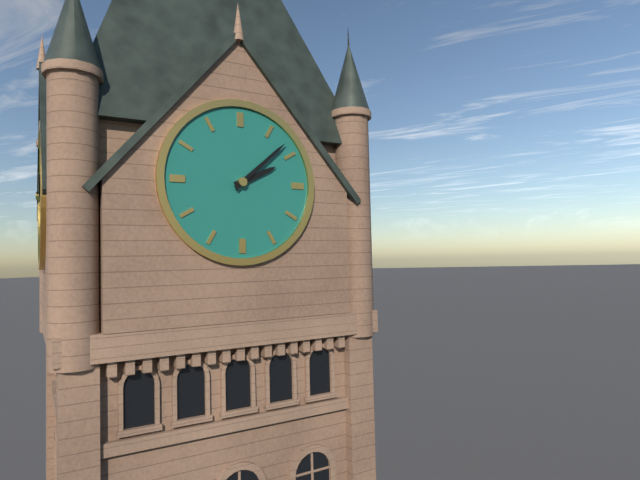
{"hour": 2, "minute": 8}
